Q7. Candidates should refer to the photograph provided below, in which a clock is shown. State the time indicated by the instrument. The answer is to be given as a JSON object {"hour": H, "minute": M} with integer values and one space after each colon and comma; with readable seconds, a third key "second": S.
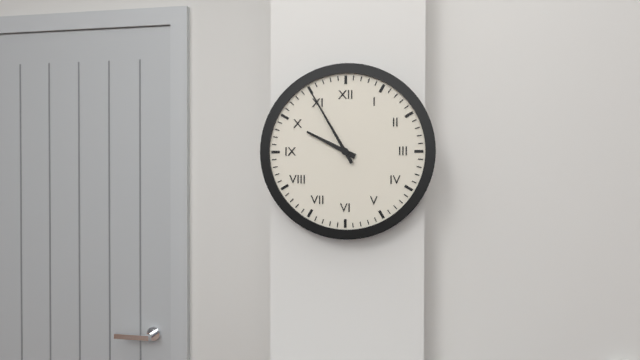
{"hour": 9, "minute": 55}
